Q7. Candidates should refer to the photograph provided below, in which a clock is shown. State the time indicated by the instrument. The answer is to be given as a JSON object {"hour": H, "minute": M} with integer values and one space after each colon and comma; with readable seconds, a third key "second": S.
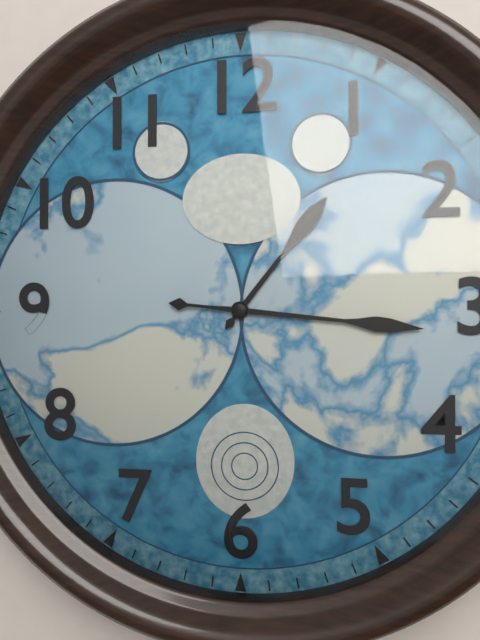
{"hour": 1, "minute": 16}
